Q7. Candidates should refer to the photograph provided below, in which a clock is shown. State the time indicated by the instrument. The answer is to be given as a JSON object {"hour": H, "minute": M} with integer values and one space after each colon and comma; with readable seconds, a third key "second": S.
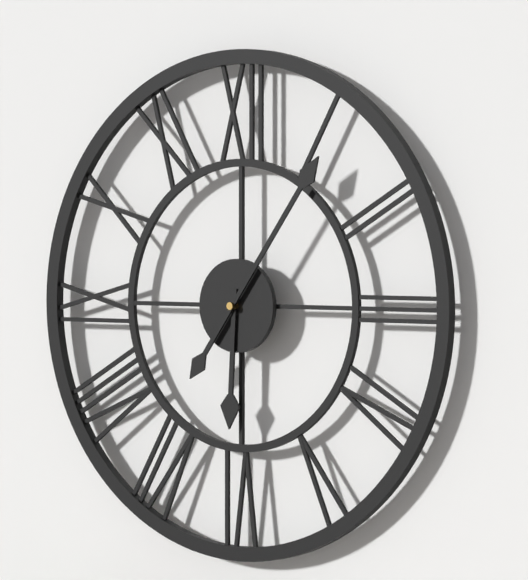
{"hour": 6, "minute": 6}
